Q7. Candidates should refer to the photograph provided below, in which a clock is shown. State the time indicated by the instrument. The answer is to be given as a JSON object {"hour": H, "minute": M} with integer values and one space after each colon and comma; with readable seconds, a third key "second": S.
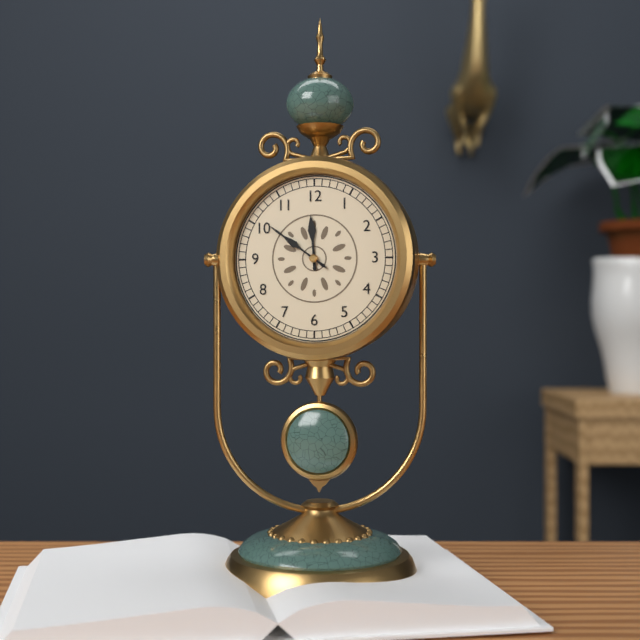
{"hour": 11, "minute": 51}
